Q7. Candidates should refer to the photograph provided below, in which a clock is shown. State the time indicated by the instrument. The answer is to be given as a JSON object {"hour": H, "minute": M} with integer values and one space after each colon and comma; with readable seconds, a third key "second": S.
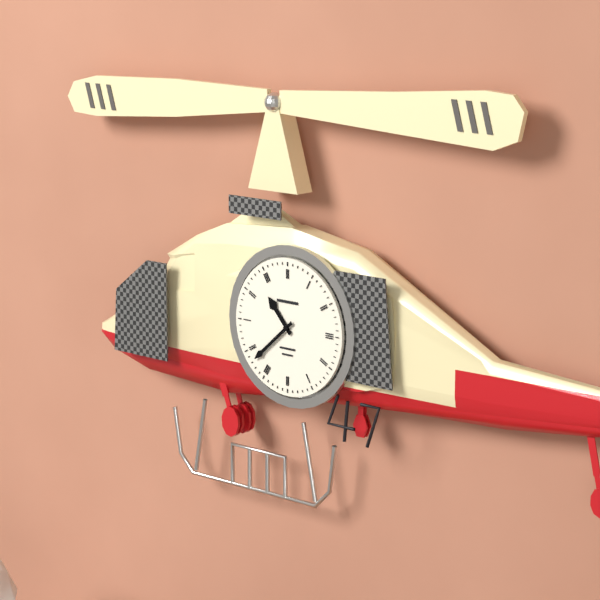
{"hour": 10, "minute": 38}
